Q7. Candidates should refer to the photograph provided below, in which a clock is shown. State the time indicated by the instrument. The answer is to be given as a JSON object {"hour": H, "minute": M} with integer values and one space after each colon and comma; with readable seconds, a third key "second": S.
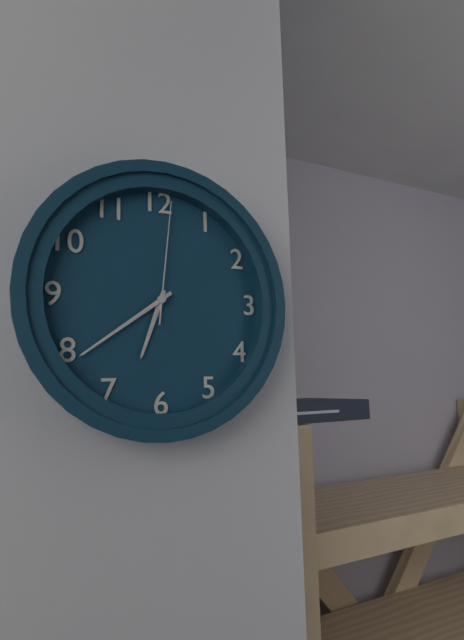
{"hour": 6, "minute": 39, "second": 1}
